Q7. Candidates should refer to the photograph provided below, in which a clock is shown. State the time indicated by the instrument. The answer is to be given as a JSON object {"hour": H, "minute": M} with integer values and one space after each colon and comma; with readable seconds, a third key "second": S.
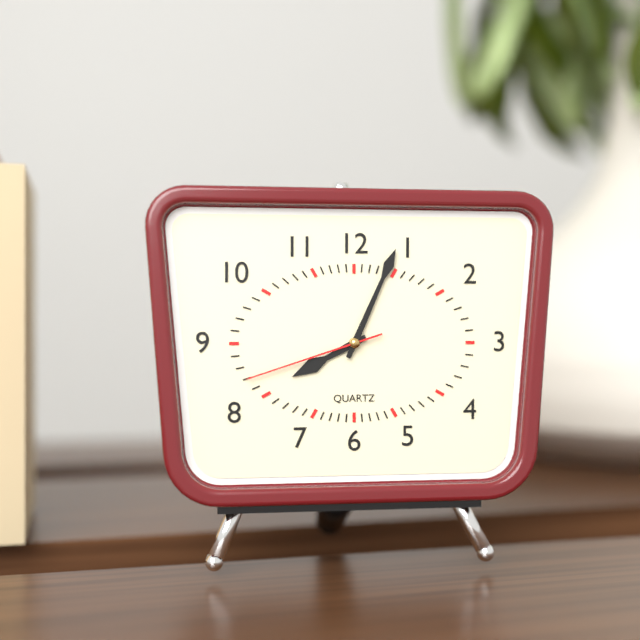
{"hour": 8, "minute": 4, "second": 42}
